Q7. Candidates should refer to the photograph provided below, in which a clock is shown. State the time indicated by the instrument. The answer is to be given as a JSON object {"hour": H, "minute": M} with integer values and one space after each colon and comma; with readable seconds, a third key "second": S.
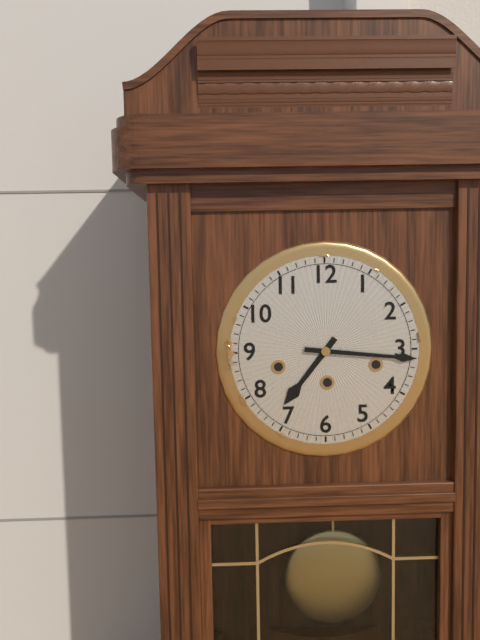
{"hour": 7, "minute": 16}
